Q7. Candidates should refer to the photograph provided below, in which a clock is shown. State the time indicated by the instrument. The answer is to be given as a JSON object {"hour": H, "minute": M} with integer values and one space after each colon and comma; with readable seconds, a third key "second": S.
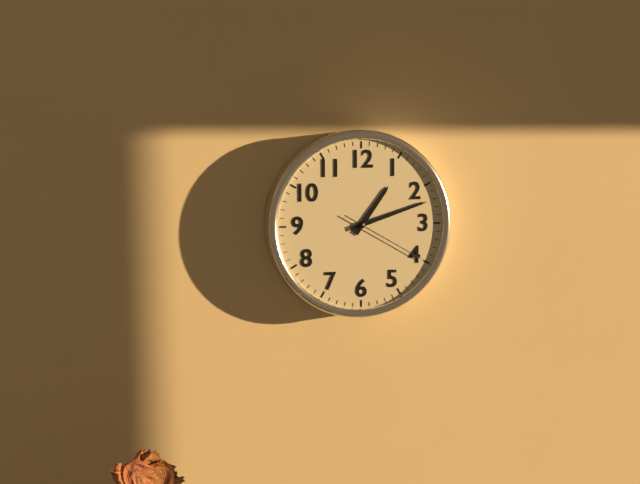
{"hour": 1, "minute": 12, "second": 20}
